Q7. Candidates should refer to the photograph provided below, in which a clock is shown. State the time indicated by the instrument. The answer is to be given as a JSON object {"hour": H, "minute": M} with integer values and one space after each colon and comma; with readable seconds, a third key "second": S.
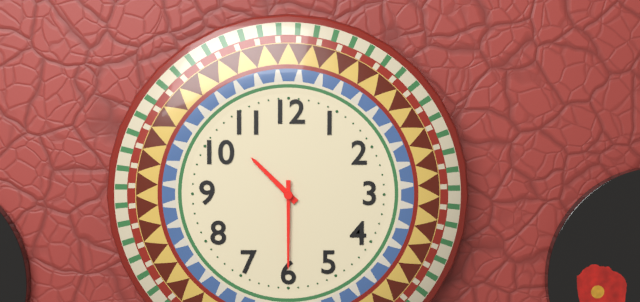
{"hour": 10, "minute": 30}
